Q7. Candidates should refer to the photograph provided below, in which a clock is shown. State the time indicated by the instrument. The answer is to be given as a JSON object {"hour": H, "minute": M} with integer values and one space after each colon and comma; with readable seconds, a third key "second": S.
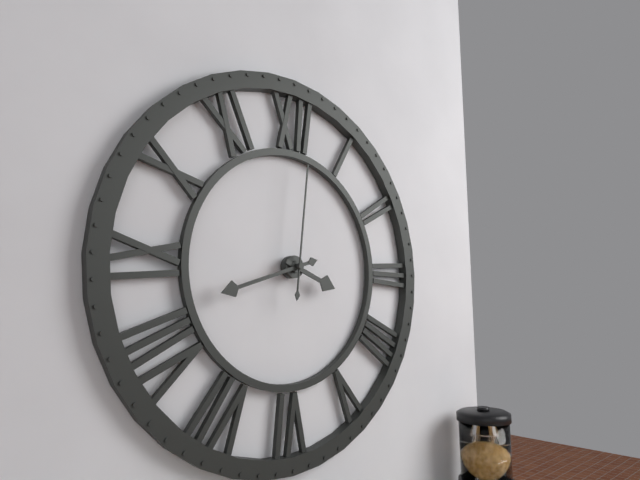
{"hour": 3, "minute": 42, "second": 1}
